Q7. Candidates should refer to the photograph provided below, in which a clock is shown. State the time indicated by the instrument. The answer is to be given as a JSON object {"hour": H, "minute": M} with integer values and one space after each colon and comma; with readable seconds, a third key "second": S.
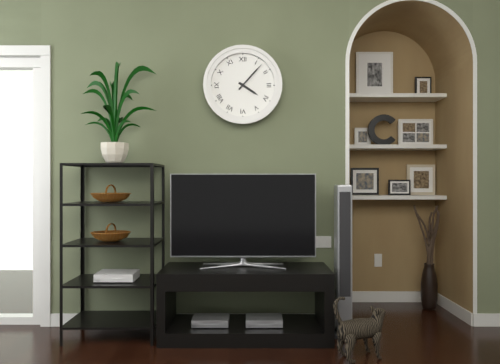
{"hour": 4, "minute": 7}
